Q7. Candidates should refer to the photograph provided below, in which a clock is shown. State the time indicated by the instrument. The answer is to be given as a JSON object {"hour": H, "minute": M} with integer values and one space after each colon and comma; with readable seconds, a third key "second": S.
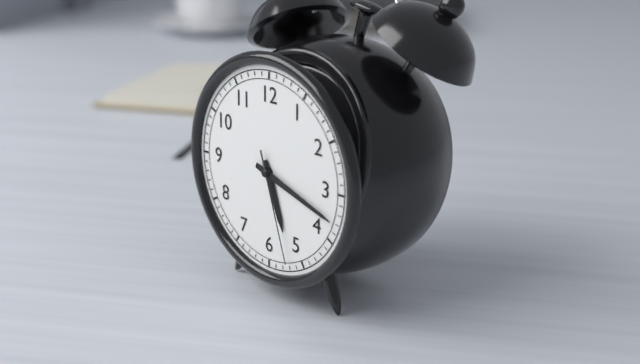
{"hour": 5, "minute": 18, "second": 27}
